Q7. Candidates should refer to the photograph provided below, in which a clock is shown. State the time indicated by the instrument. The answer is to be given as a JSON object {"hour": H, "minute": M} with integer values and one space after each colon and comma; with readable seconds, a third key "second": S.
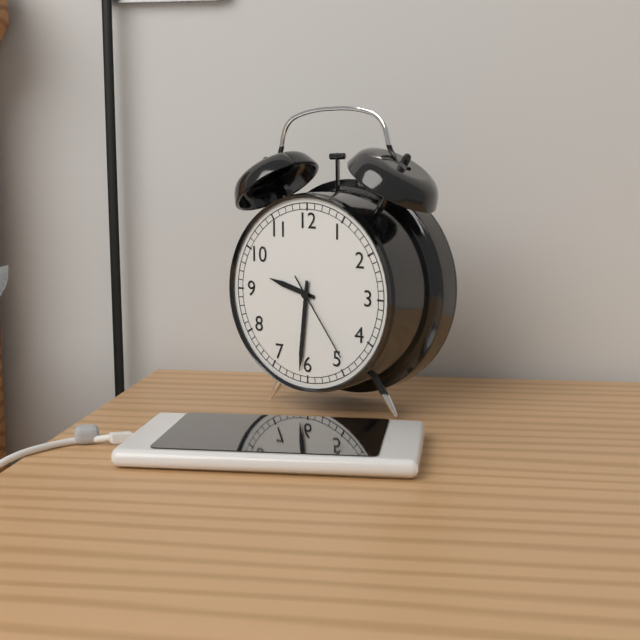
{"hour": 9, "minute": 31, "second": 24}
